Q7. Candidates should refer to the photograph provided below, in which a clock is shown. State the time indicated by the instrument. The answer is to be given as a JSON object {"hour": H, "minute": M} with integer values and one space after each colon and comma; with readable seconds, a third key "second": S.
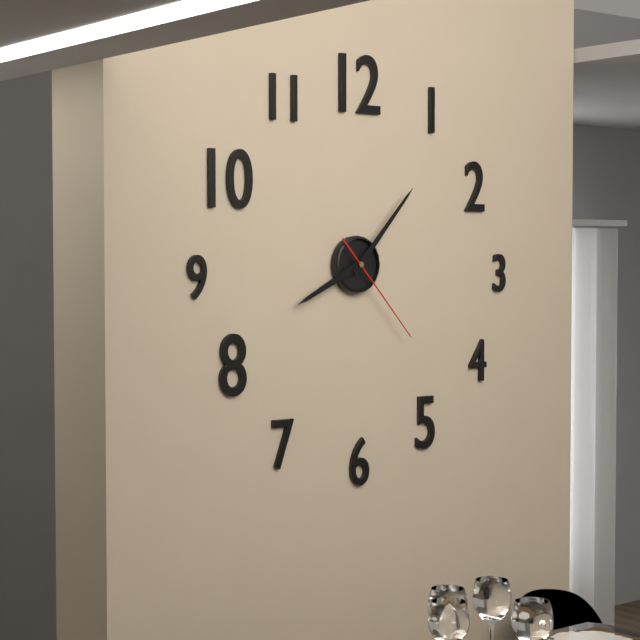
{"hour": 8, "minute": 7, "second": 23}
